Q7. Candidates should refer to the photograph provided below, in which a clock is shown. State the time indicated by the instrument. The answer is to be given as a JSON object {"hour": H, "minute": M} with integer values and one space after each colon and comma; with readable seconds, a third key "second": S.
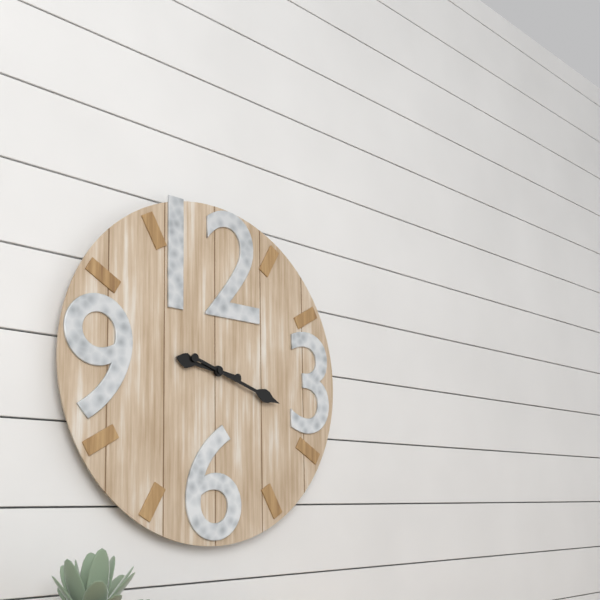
{"hour": 9, "minute": 18}
